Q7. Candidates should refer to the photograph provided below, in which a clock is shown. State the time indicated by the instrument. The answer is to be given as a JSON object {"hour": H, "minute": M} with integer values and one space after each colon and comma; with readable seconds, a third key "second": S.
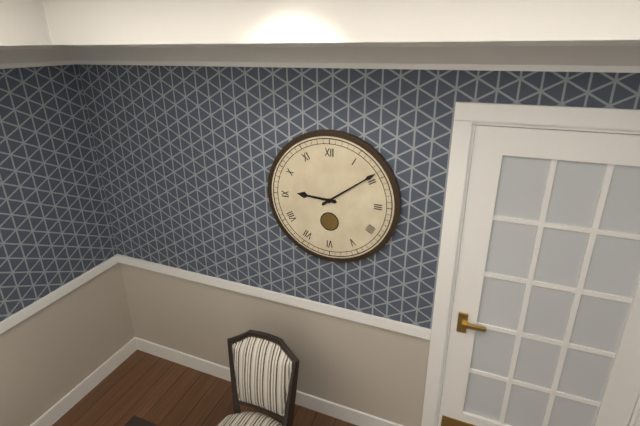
{"hour": 9, "minute": 9}
